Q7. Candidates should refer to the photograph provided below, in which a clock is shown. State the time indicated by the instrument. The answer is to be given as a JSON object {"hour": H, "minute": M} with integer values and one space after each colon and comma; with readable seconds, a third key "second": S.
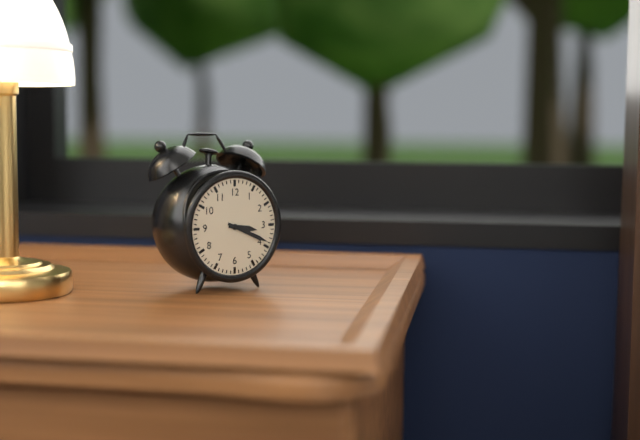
{"hour": 3, "minute": 19}
